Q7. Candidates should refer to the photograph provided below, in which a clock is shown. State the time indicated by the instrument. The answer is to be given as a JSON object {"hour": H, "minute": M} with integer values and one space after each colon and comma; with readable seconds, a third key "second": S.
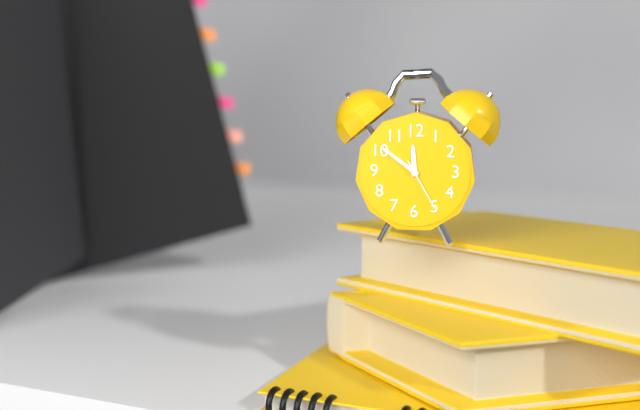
{"hour": 11, "minute": 51, "second": 25}
